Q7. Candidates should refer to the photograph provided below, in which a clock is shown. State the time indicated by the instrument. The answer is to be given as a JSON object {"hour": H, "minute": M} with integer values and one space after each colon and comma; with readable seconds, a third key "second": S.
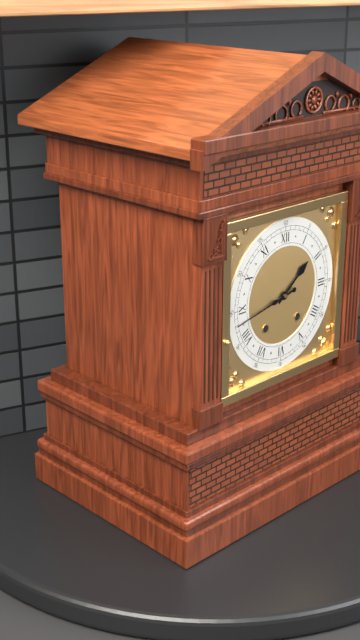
{"hour": 1, "minute": 43}
